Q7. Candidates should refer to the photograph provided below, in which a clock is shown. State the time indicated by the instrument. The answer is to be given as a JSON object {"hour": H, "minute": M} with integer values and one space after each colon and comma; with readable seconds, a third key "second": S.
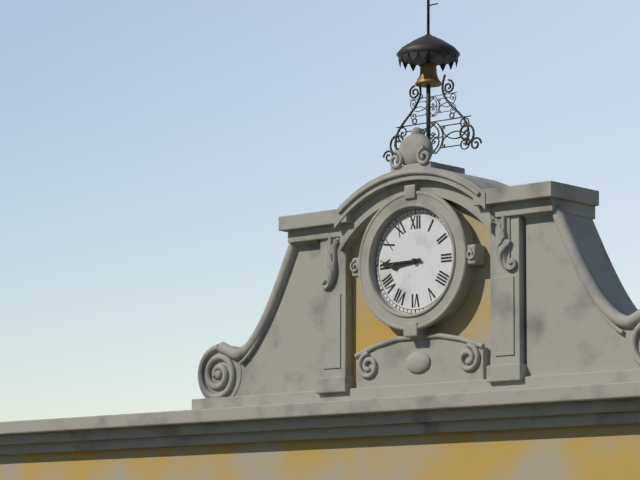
{"hour": 8, "minute": 45}
